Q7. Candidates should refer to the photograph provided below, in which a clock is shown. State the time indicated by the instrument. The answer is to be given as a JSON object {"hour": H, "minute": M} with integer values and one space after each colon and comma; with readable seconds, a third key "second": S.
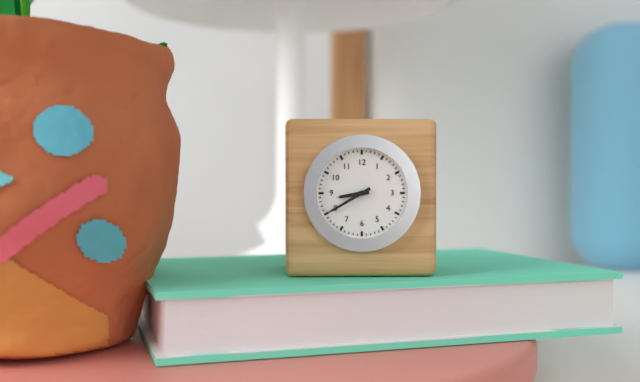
{"hour": 8, "minute": 40}
